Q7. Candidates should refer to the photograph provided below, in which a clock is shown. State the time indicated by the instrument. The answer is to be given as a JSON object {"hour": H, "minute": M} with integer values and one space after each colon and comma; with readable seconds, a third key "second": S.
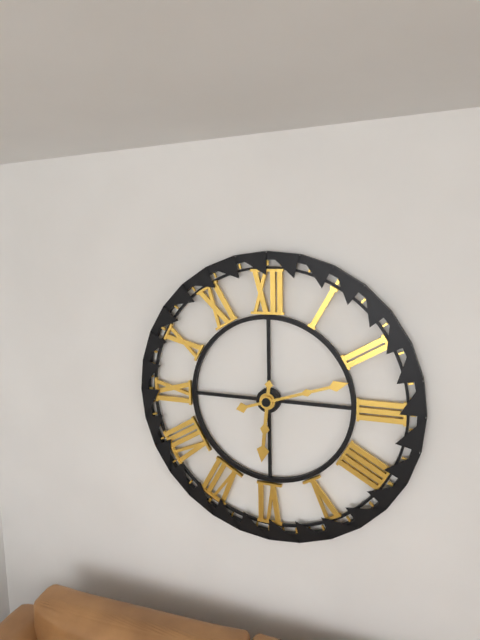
{"hour": 6, "minute": 12}
